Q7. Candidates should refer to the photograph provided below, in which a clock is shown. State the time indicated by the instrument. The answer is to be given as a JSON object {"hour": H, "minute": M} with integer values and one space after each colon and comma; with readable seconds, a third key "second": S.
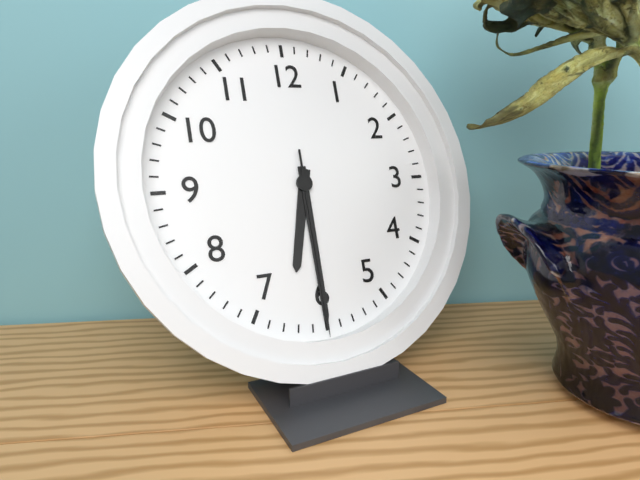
{"hour": 6, "minute": 30, "second": 30}
